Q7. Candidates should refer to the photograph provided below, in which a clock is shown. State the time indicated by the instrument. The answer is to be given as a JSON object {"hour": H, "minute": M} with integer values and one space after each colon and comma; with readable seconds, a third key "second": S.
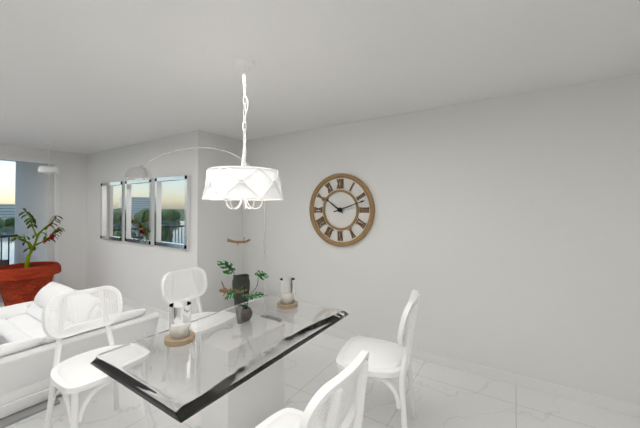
{"hour": 10, "minute": 12}
